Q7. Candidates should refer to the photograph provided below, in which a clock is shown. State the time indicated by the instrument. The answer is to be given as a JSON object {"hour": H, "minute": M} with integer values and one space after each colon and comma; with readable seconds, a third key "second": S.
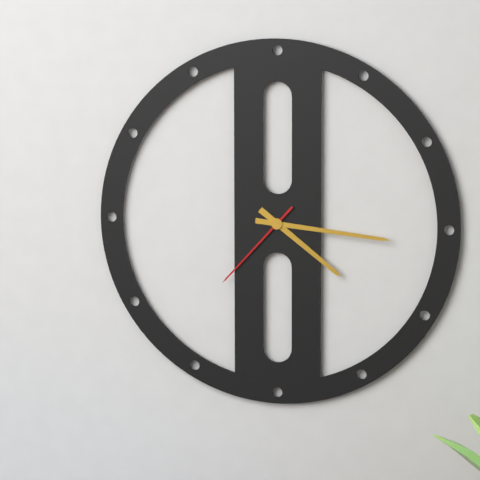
{"hour": 4, "minute": 16, "second": 37}
